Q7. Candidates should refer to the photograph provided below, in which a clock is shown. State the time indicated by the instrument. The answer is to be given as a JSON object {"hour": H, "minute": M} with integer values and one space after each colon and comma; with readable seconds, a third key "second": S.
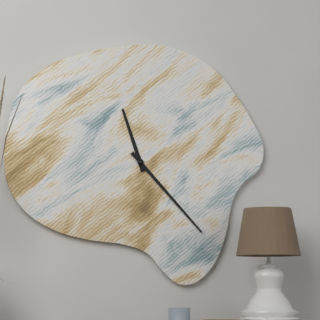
{"hour": 11, "minute": 23}
